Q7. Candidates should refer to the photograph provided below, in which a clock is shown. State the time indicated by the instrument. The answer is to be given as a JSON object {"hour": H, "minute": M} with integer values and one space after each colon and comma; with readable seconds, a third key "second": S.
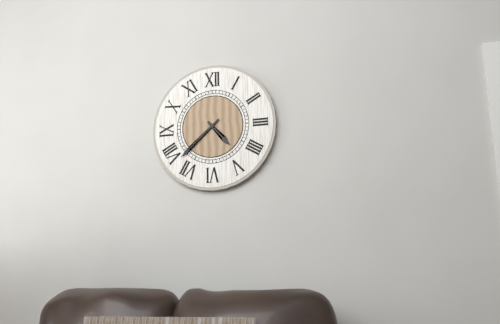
{"hour": 4, "minute": 38}
